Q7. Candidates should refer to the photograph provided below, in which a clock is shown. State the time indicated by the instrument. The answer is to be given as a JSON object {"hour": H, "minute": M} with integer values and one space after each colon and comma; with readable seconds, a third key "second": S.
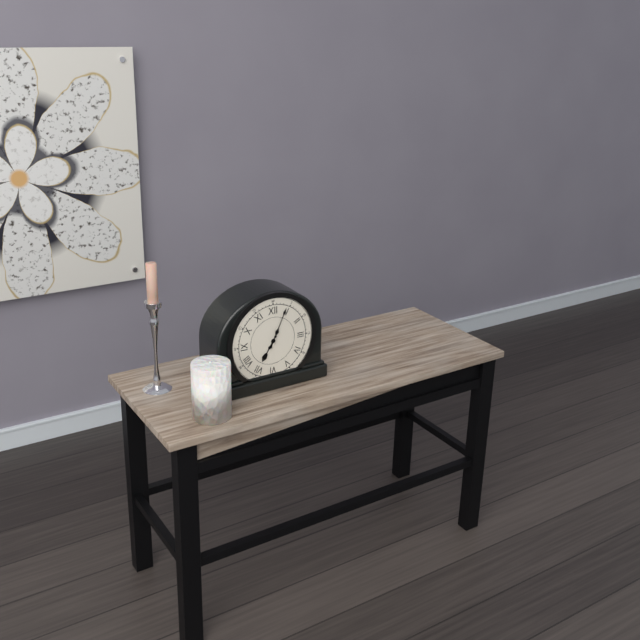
{"hour": 7, "minute": 4}
